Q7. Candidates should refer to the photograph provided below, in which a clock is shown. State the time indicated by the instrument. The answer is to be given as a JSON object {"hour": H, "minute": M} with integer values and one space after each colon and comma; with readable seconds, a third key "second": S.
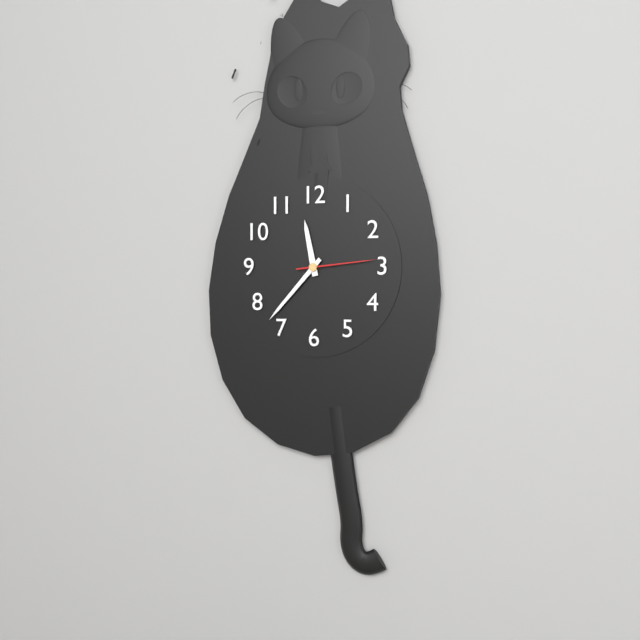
{"hour": 11, "minute": 37, "second": 14}
